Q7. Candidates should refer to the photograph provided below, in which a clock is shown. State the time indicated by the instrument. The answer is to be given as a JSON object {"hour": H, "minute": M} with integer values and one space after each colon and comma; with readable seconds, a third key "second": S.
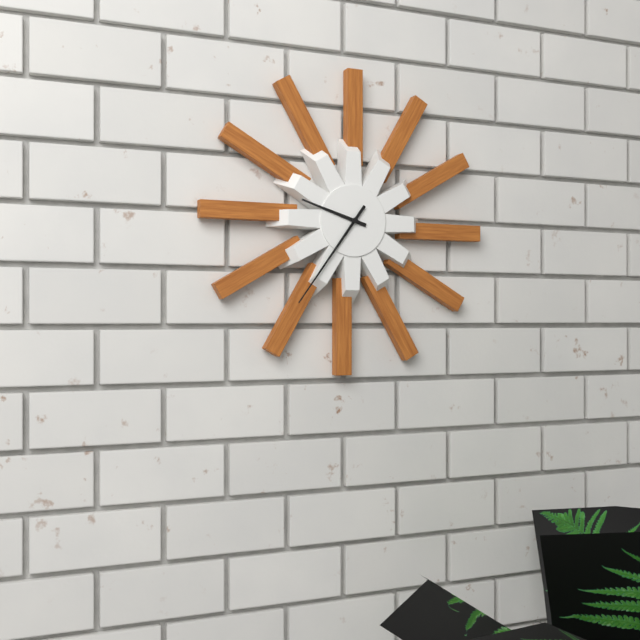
{"hour": 9, "minute": 36}
